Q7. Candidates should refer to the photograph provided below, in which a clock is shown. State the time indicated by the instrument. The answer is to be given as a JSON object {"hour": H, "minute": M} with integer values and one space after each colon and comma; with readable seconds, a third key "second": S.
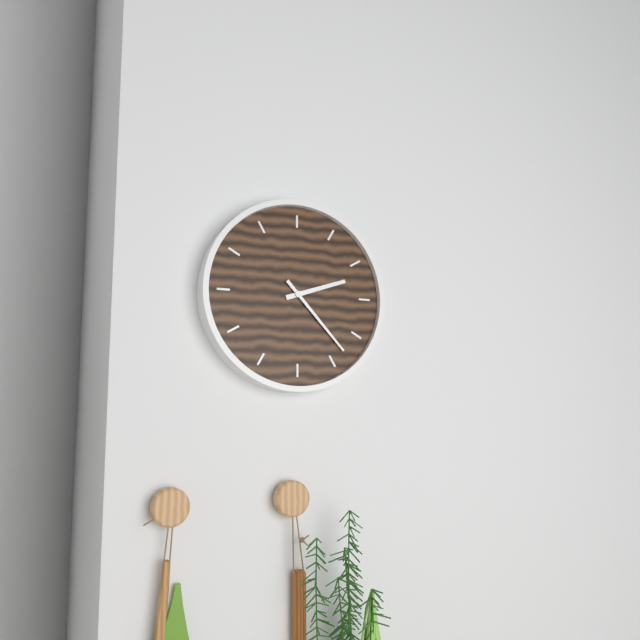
{"hour": 2, "minute": 23}
